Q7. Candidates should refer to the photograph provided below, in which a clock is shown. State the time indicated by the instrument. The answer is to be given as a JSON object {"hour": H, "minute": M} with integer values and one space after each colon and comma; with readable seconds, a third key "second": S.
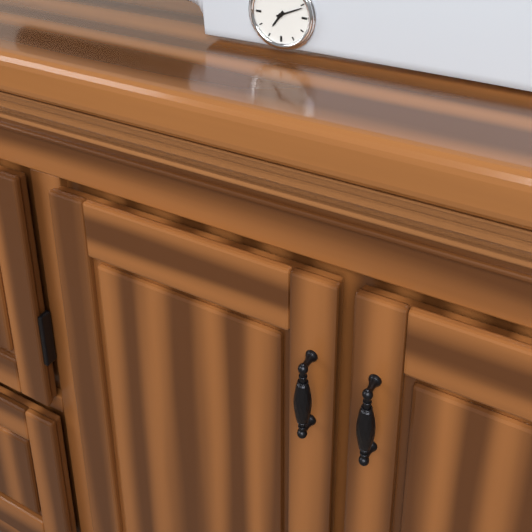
{"hour": 7, "minute": 11}
